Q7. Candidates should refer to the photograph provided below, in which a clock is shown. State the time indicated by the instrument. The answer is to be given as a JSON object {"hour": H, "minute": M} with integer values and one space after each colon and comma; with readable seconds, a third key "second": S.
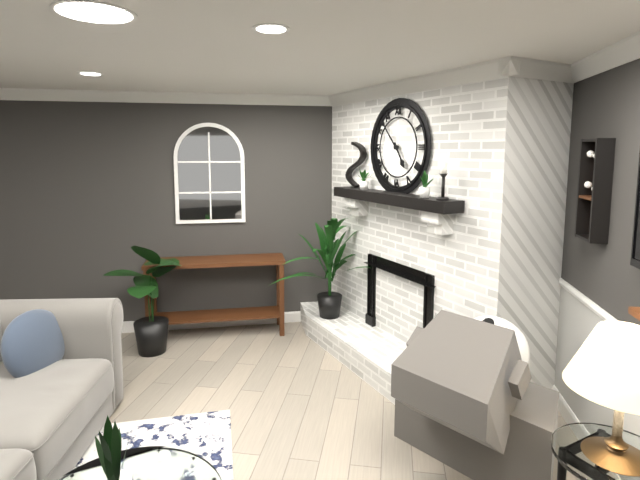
{"hour": 4, "minute": 53}
